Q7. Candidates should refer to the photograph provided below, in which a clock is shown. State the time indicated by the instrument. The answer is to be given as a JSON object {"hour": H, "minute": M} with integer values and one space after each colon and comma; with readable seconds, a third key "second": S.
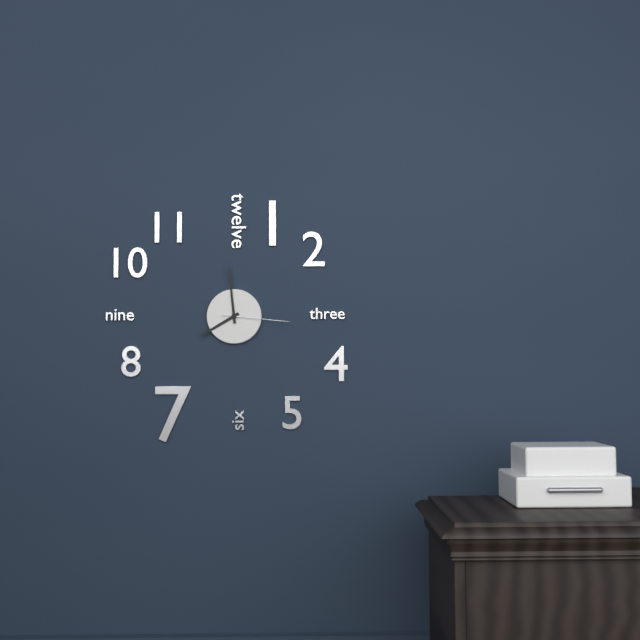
{"hour": 7, "minute": 59, "second": 16}
